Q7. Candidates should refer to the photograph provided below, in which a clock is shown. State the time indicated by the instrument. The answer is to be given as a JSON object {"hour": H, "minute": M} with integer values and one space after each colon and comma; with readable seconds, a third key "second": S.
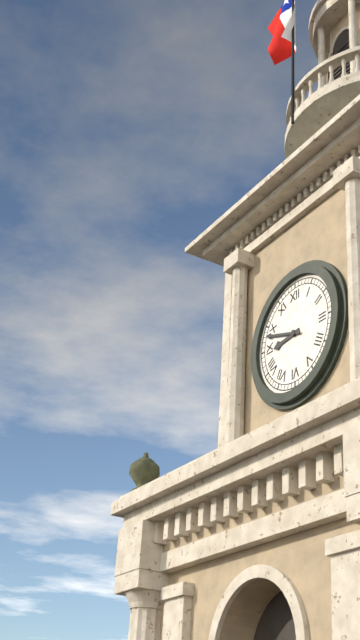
{"hour": 8, "minute": 48}
